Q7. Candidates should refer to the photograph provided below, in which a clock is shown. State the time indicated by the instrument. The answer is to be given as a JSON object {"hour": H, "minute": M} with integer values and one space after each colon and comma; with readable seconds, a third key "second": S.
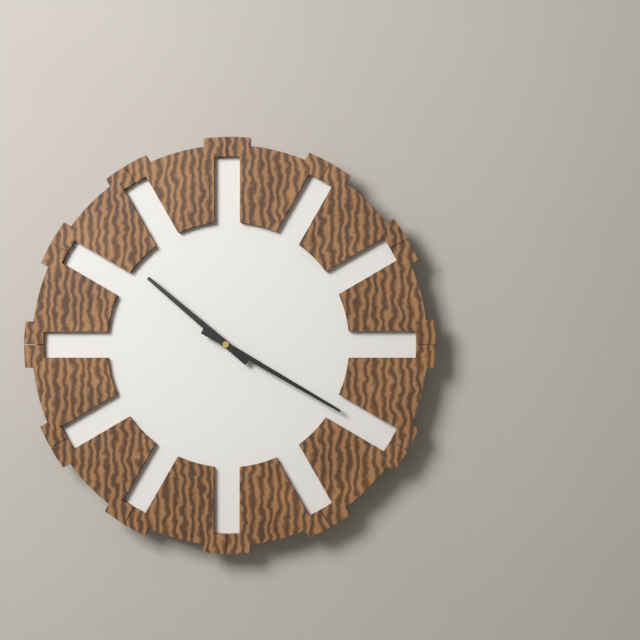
{"hour": 10, "minute": 20}
